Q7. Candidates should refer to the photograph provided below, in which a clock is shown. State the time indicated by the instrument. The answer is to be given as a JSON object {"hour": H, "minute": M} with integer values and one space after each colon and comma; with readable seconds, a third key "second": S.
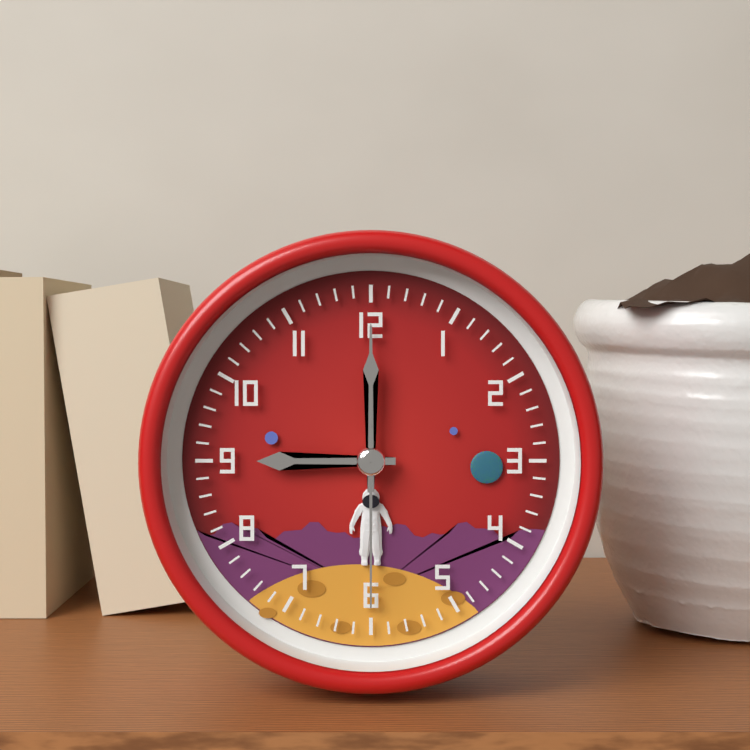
{"hour": 9, "minute": 0, "second": 30}
